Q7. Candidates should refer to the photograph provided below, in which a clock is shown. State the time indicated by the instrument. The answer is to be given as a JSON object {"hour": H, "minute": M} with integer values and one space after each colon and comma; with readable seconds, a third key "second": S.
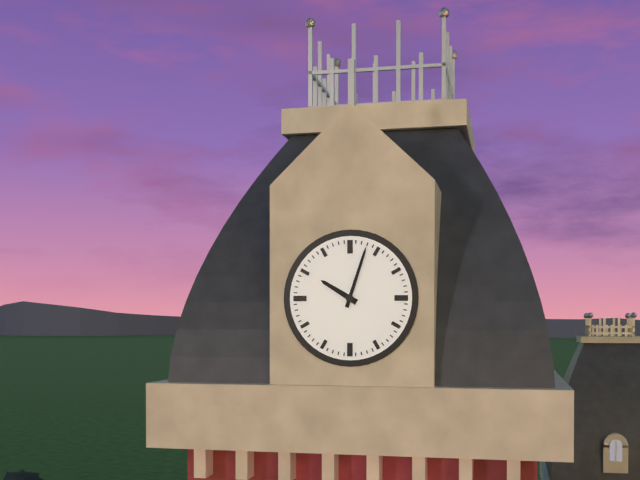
{"hour": 10, "minute": 3}
